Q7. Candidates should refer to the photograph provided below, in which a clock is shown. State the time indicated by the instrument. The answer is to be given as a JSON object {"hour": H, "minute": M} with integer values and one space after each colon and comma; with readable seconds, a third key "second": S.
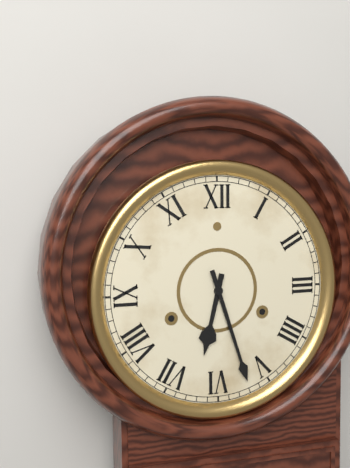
{"hour": 6, "minute": 27}
